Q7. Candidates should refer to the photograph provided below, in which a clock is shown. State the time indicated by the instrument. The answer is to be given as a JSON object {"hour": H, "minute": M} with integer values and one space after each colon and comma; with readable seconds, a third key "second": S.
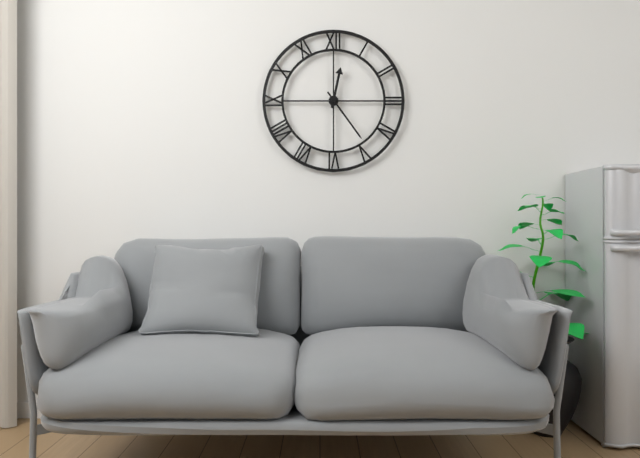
{"hour": 12, "minute": 24}
